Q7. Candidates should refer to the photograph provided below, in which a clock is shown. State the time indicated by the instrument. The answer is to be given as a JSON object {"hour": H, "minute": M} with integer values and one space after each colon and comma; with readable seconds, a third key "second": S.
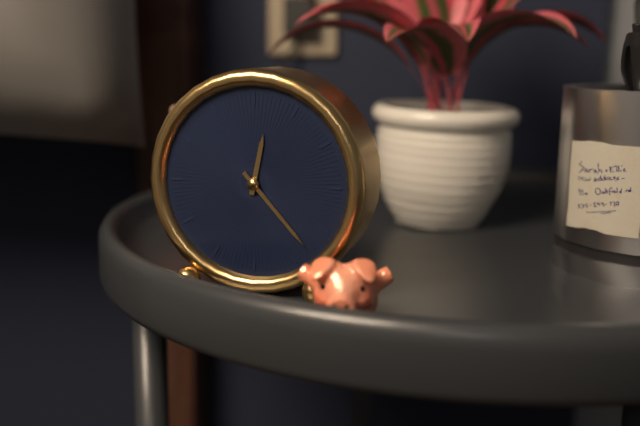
{"hour": 12, "minute": 23}
